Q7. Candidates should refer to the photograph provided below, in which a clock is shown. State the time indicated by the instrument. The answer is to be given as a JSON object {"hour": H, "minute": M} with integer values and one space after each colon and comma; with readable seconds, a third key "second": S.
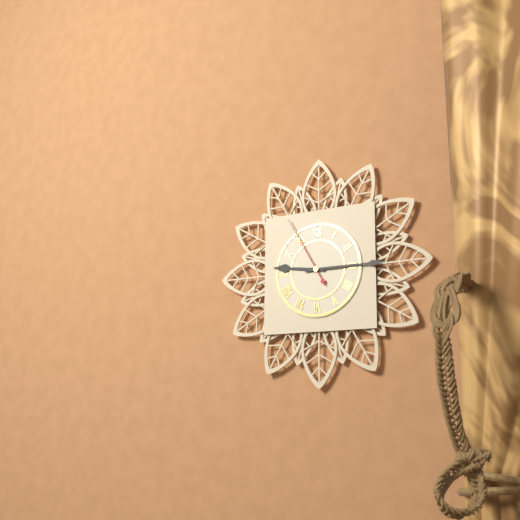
{"hour": 9, "minute": 15, "second": 55}
